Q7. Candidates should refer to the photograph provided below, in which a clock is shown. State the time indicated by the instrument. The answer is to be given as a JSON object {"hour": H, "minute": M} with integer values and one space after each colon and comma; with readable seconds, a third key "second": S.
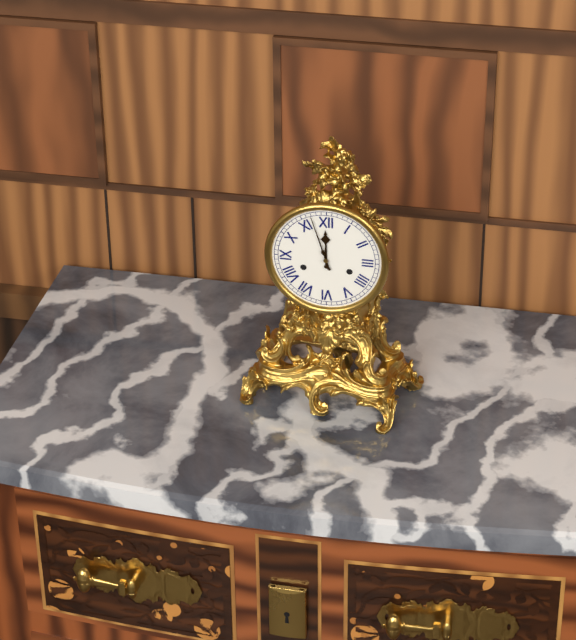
{"hour": 11, "minute": 57}
